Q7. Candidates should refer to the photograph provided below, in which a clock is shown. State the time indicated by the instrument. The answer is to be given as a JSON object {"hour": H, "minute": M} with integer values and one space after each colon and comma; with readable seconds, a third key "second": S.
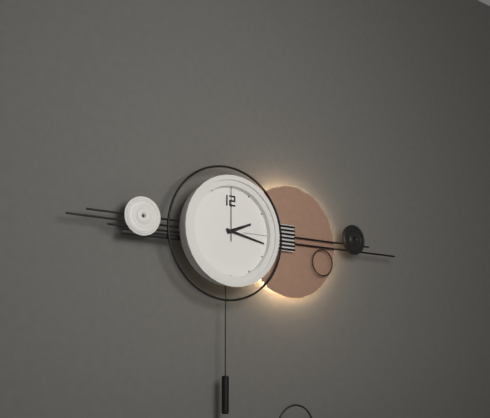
{"hour": 2, "minute": 17, "second": 0}
